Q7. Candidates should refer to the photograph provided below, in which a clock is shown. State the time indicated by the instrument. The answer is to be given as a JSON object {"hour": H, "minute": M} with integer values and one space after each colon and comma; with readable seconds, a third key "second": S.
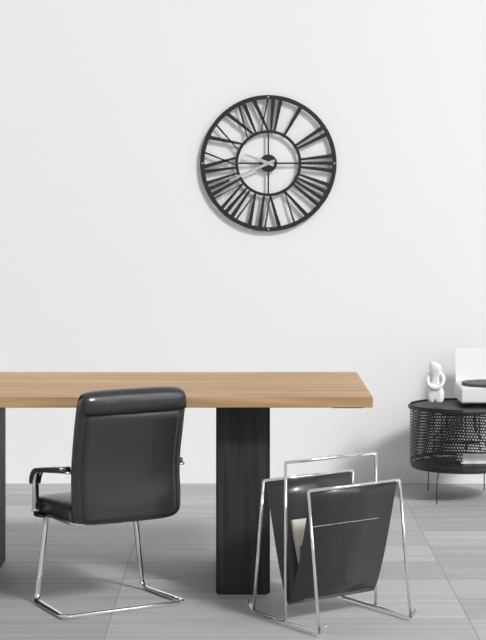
{"hour": 9, "minute": 41}
